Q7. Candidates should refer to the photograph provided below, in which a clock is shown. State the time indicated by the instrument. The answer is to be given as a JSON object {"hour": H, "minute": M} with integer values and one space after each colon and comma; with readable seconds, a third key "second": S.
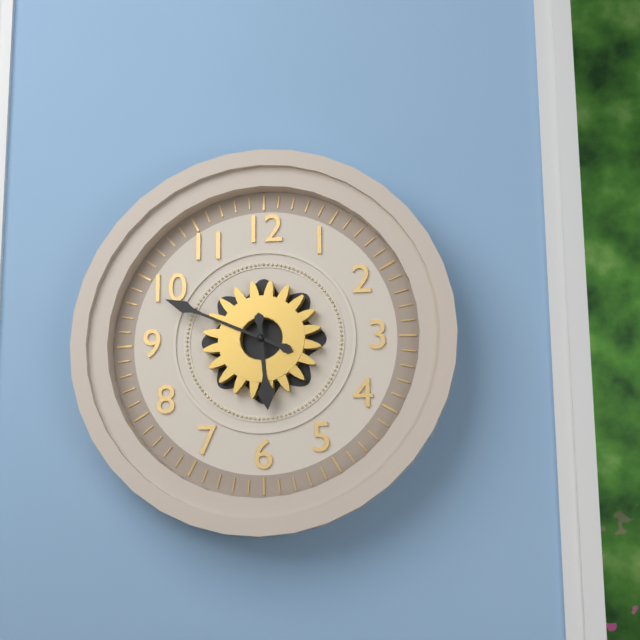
{"hour": 5, "minute": 49}
